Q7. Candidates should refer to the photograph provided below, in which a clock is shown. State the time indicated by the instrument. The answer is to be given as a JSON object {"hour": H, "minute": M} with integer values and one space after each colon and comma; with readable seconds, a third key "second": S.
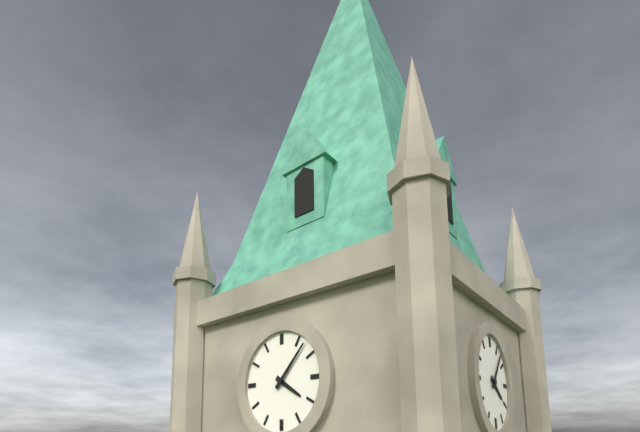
{"hour": 4, "minute": 7}
